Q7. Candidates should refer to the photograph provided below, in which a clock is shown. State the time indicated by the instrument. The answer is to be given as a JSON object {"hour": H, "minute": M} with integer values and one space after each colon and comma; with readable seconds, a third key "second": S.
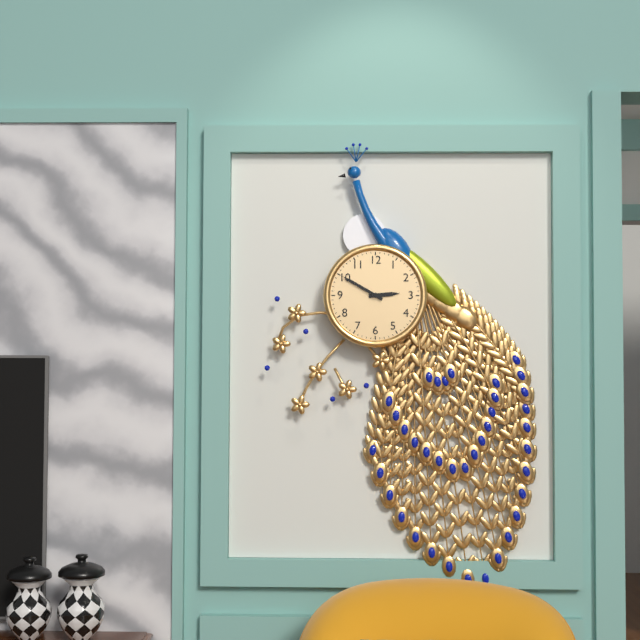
{"hour": 2, "minute": 50}
